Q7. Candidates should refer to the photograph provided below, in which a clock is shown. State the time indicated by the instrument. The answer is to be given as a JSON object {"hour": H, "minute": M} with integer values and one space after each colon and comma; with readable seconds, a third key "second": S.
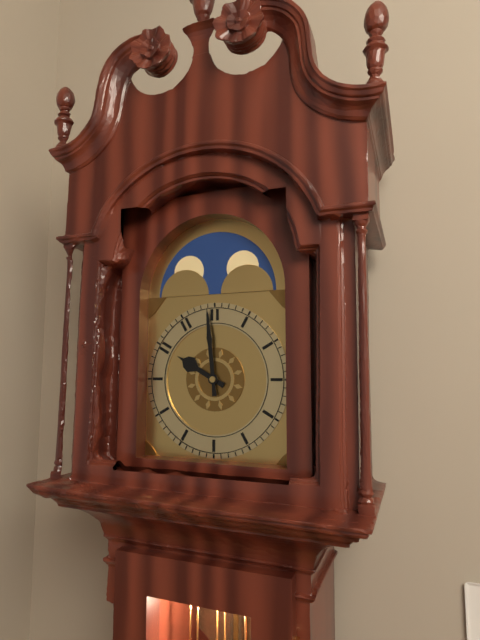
{"hour": 9, "minute": 59}
